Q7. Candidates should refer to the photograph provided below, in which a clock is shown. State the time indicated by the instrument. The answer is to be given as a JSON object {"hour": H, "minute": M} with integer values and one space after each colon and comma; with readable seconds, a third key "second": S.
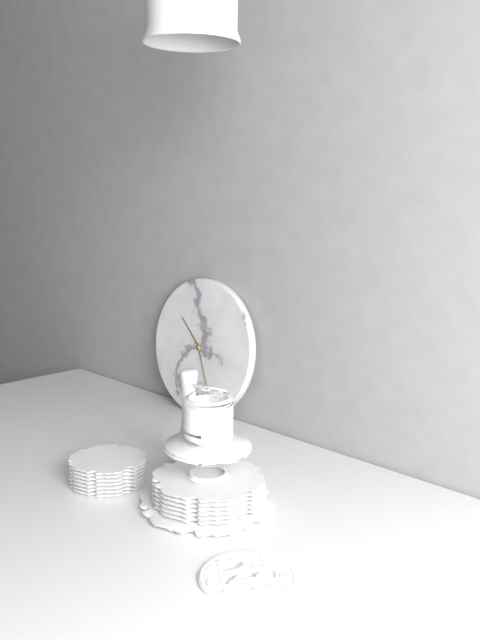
{"hour": 10, "minute": 26}
